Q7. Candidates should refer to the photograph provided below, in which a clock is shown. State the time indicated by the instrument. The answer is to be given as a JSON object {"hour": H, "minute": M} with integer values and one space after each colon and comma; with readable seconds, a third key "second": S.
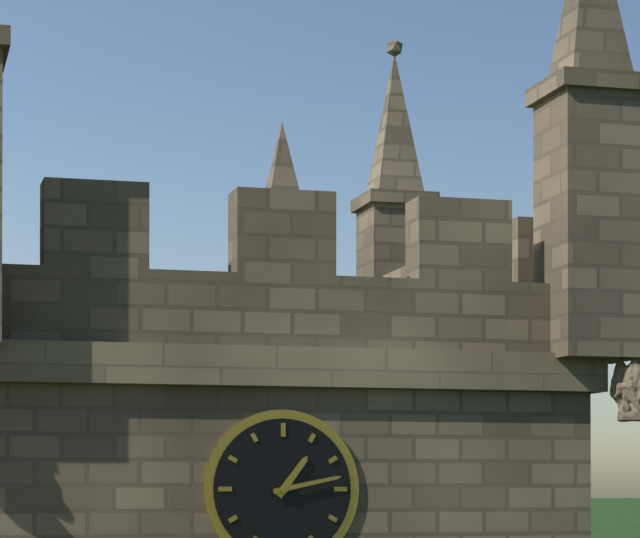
{"hour": 1, "minute": 13}
